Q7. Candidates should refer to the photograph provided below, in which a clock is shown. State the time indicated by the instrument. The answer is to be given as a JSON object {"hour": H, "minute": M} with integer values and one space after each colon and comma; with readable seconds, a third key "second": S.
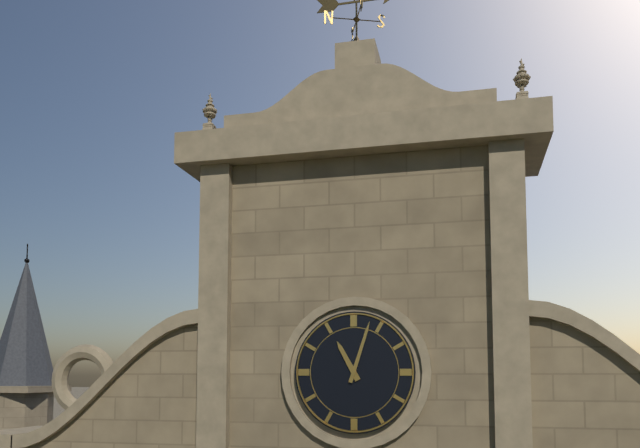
{"hour": 11, "minute": 3}
